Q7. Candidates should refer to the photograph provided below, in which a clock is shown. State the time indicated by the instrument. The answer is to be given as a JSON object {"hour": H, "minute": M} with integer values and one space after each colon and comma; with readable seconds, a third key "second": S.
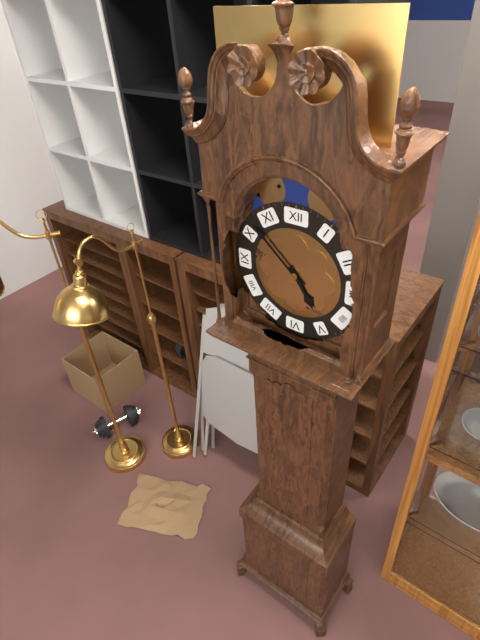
{"hour": 4, "minute": 52}
